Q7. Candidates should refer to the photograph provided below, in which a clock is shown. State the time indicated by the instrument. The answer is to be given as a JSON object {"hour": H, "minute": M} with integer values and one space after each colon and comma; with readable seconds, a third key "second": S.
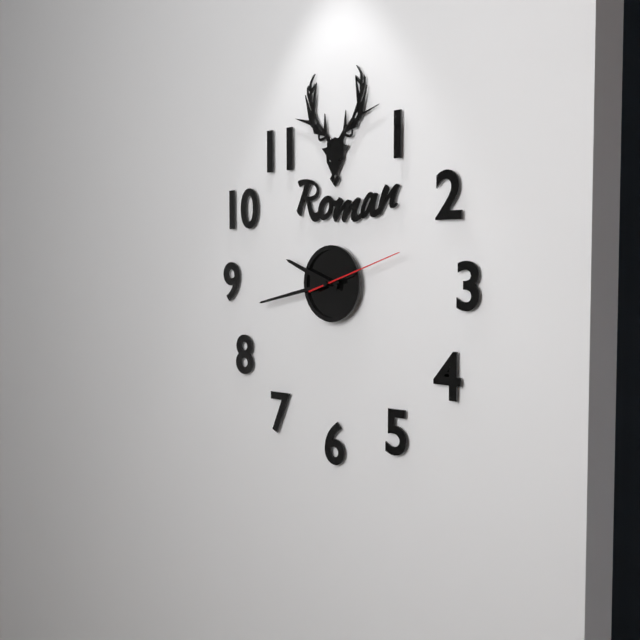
{"hour": 9, "minute": 43, "second": 12}
